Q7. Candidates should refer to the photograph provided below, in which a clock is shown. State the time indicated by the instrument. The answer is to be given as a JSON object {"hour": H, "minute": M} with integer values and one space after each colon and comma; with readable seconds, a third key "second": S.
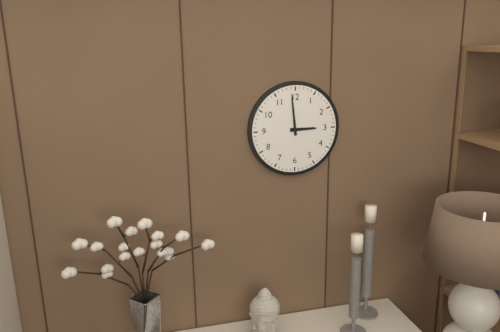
{"hour": 2, "minute": 59}
